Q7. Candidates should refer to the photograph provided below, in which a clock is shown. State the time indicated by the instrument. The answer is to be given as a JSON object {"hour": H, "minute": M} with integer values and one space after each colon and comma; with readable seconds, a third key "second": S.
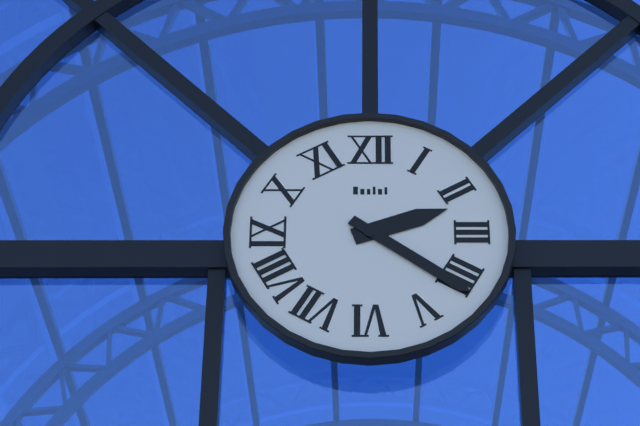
{"hour": 2, "minute": 21}
